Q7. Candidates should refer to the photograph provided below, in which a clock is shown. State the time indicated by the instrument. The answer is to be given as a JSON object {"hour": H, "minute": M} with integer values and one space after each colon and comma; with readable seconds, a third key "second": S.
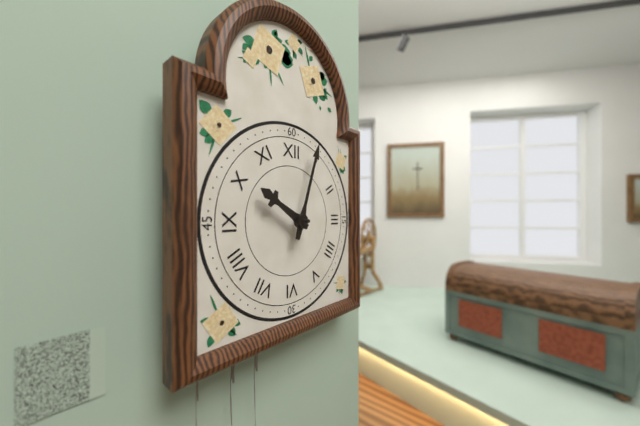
{"hour": 10, "minute": 3}
